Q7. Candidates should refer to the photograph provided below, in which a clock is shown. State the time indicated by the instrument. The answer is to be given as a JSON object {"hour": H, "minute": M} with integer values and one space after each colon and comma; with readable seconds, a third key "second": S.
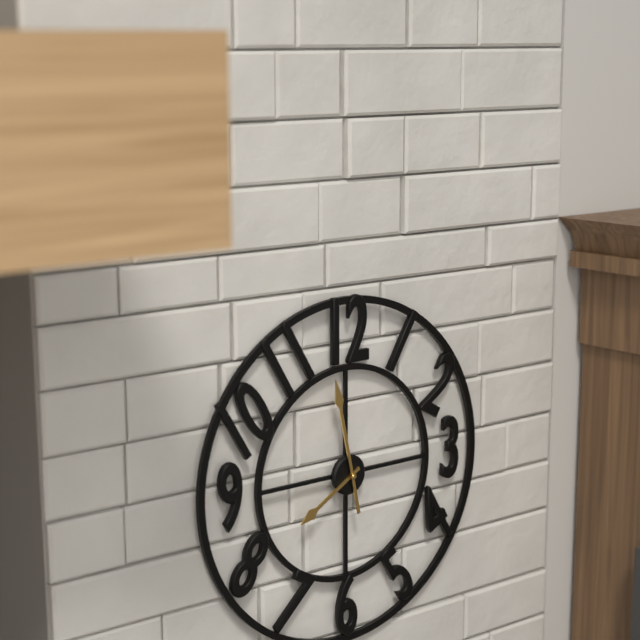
{"hour": 7, "minute": 58}
